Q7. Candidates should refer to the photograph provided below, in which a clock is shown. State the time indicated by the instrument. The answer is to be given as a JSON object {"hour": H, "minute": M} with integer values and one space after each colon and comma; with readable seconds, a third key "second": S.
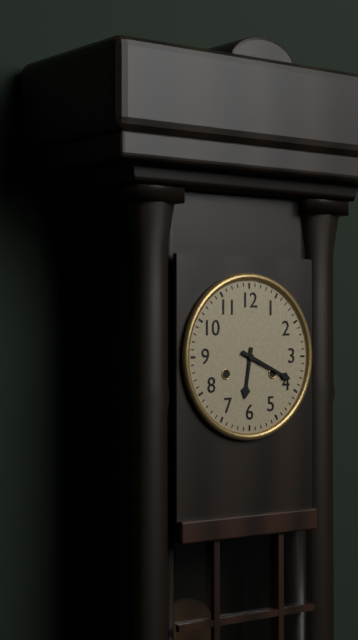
{"hour": 6, "minute": 19}
